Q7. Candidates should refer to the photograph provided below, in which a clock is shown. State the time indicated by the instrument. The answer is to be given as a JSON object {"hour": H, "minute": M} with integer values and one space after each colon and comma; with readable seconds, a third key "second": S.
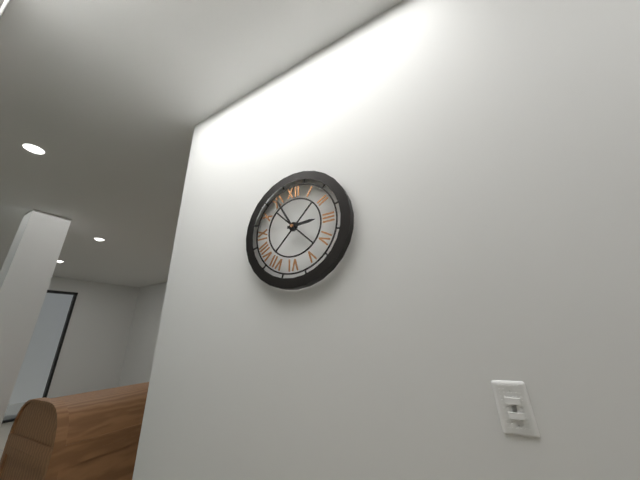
{"hour": 2, "minute": 55}
